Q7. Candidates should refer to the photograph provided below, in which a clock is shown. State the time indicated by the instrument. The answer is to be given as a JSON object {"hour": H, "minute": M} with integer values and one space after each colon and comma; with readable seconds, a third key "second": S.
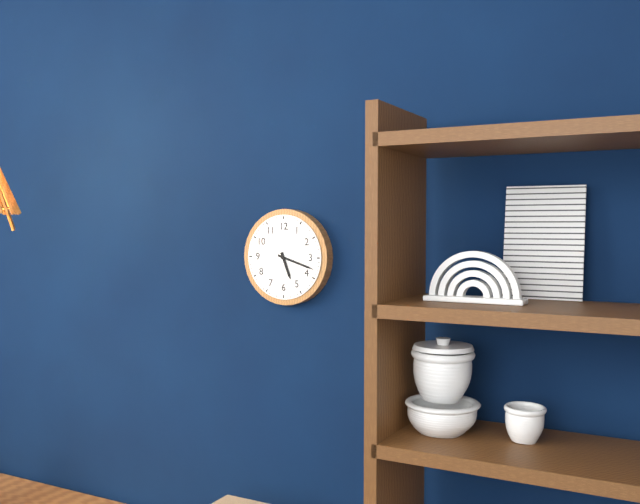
{"hour": 5, "minute": 18}
